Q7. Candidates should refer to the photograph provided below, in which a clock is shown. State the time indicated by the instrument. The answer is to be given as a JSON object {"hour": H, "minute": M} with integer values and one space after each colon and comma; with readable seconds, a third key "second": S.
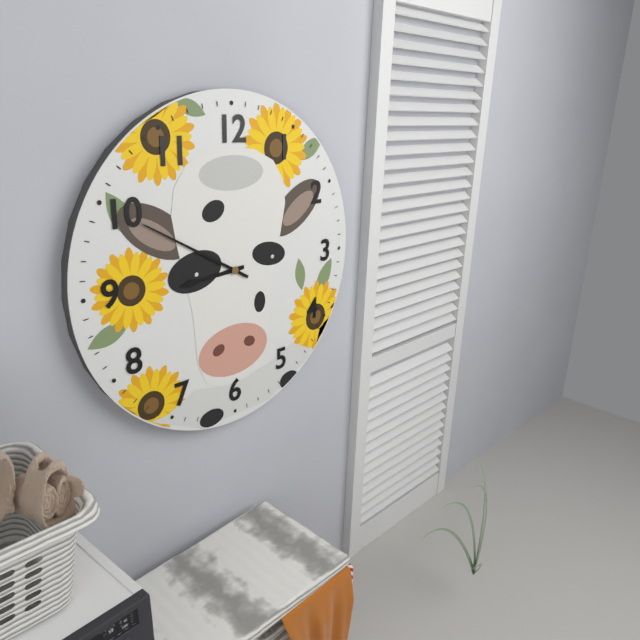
{"hour": 8, "minute": 50}
